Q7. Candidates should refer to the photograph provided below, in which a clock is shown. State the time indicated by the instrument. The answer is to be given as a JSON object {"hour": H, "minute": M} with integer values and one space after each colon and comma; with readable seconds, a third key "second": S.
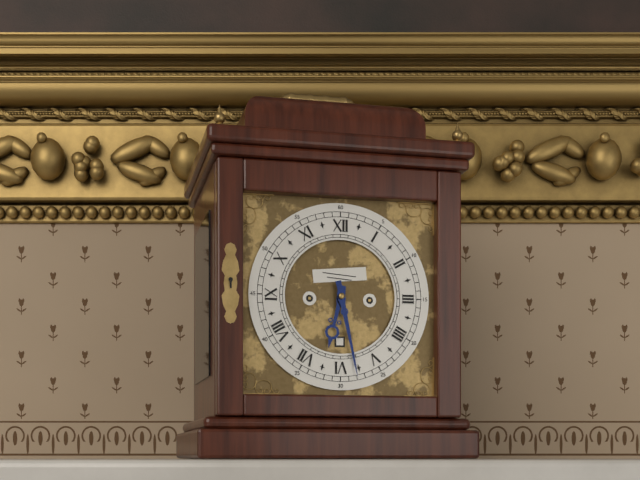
{"hour": 6, "minute": 28}
